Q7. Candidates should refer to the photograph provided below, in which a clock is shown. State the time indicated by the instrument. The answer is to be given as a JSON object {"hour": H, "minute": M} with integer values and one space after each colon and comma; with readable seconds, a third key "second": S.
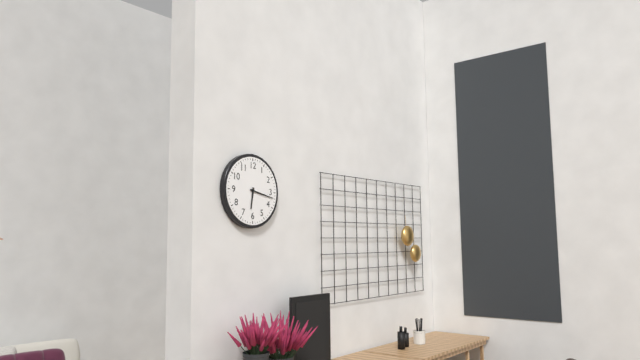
{"hour": 6, "minute": 17}
